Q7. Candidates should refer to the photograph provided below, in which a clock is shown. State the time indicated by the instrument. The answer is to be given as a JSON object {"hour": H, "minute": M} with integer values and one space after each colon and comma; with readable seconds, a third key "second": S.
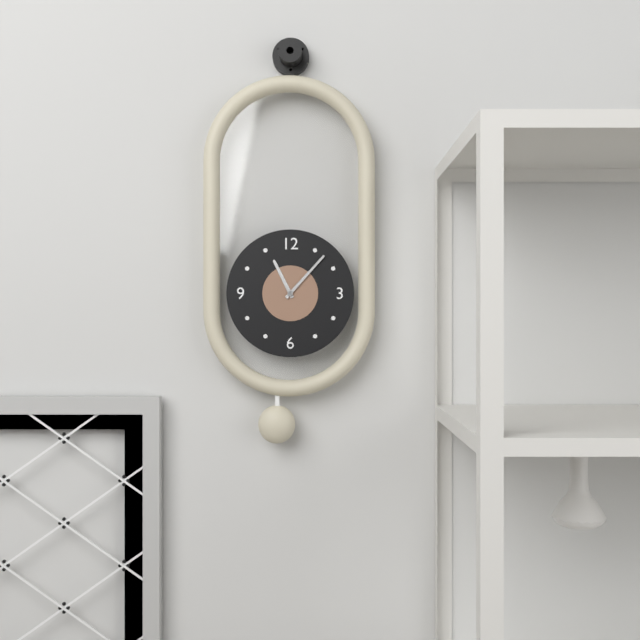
{"hour": 11, "minute": 7}
